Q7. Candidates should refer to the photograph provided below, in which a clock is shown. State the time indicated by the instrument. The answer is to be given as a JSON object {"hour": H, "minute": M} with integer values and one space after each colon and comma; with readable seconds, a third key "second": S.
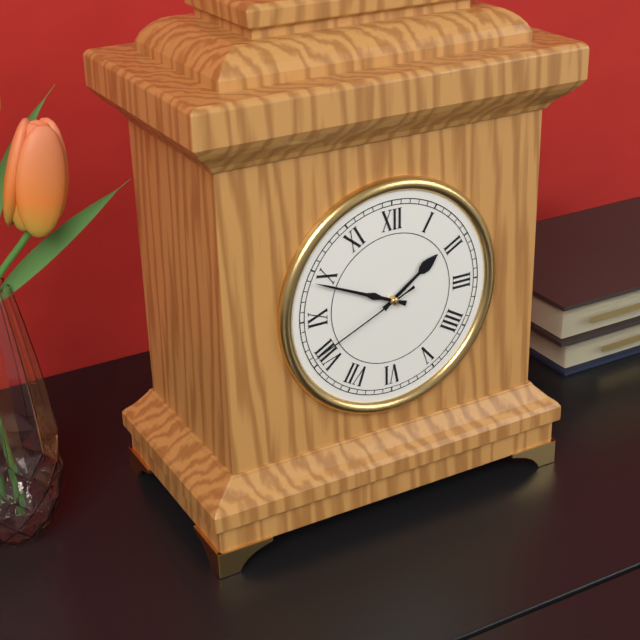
{"hour": 1, "minute": 49, "second": 41}
